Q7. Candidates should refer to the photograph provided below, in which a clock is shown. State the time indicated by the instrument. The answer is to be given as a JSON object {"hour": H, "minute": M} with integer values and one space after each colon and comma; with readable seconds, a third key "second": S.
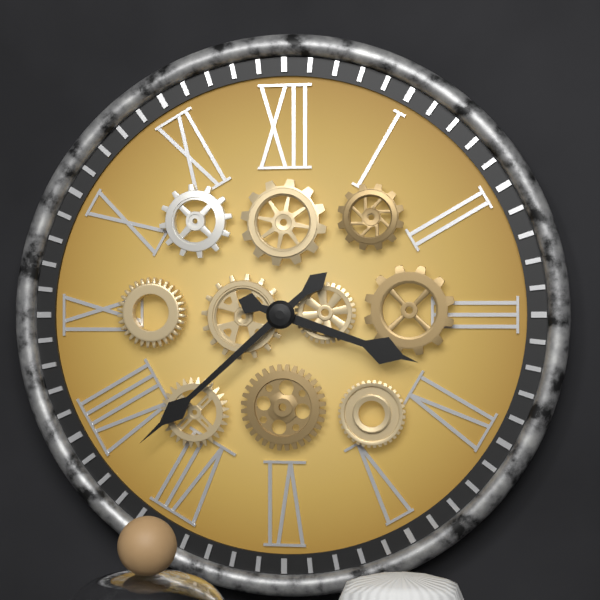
{"hour": 3, "minute": 38}
